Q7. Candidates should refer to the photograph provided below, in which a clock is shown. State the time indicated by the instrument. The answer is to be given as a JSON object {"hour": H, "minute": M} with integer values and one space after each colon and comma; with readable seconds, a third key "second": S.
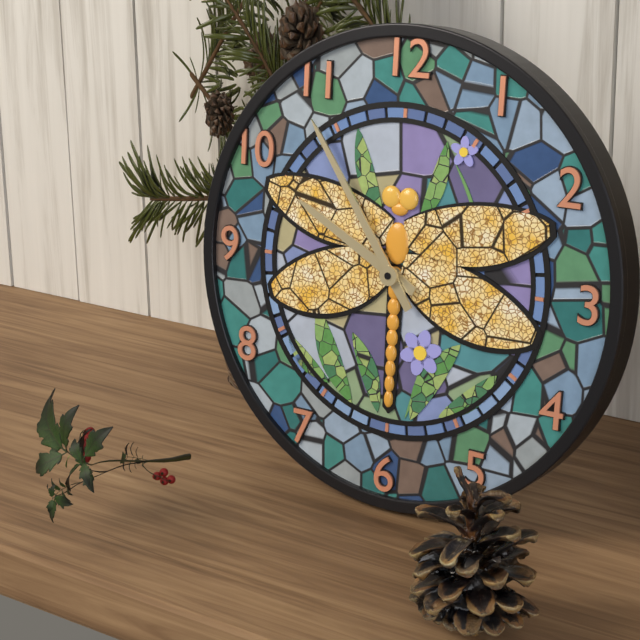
{"hour": 9, "minute": 54}
